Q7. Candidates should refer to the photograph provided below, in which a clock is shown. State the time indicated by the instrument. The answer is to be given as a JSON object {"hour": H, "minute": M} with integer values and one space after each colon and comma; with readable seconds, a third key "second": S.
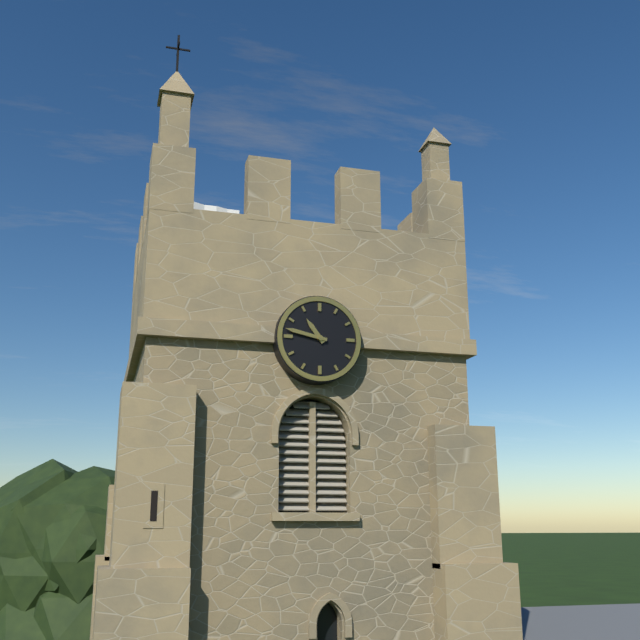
{"hour": 10, "minute": 47}
